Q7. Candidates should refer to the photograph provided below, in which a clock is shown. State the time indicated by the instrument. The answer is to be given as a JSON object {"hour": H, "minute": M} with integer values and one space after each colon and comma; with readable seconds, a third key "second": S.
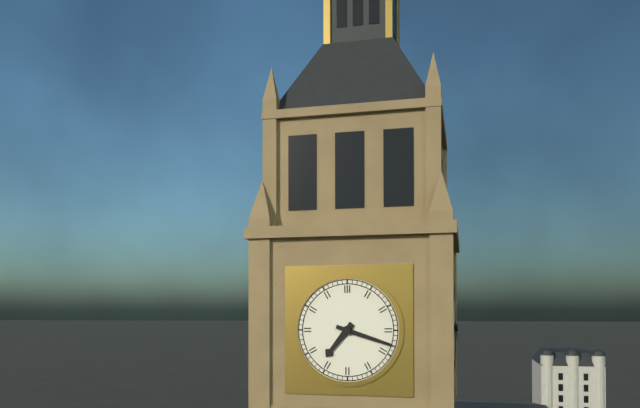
{"hour": 7, "minute": 18}
